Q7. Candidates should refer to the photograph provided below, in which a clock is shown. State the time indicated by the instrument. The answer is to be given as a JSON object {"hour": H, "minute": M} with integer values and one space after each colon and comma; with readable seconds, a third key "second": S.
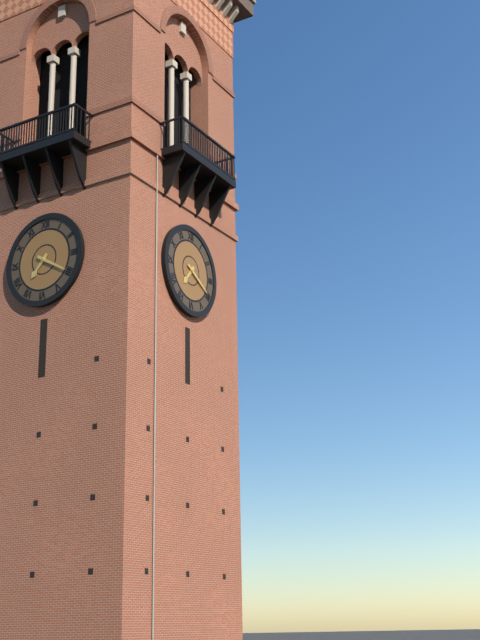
{"hour": 7, "minute": 20}
